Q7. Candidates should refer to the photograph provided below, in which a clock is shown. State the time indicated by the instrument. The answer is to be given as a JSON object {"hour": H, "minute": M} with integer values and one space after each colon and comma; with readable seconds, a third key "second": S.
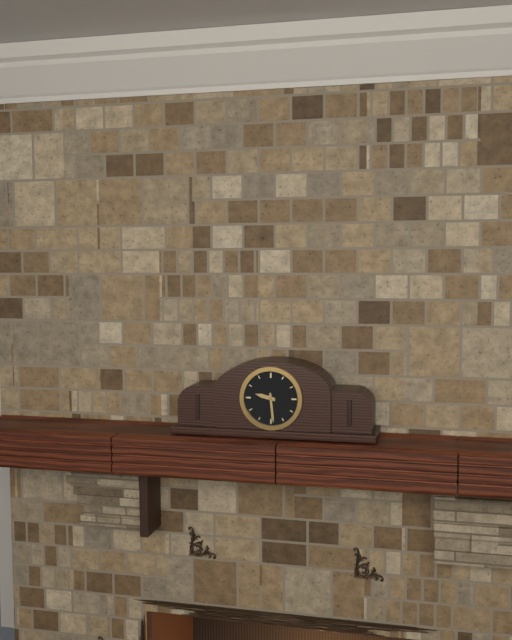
{"hour": 9, "minute": 29}
